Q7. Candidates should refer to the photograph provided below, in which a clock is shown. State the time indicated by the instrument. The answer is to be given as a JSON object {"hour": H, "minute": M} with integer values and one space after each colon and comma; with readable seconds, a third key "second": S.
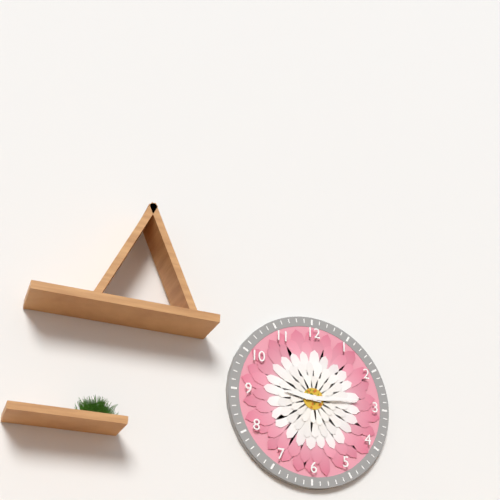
{"hour": 9, "minute": 14}
